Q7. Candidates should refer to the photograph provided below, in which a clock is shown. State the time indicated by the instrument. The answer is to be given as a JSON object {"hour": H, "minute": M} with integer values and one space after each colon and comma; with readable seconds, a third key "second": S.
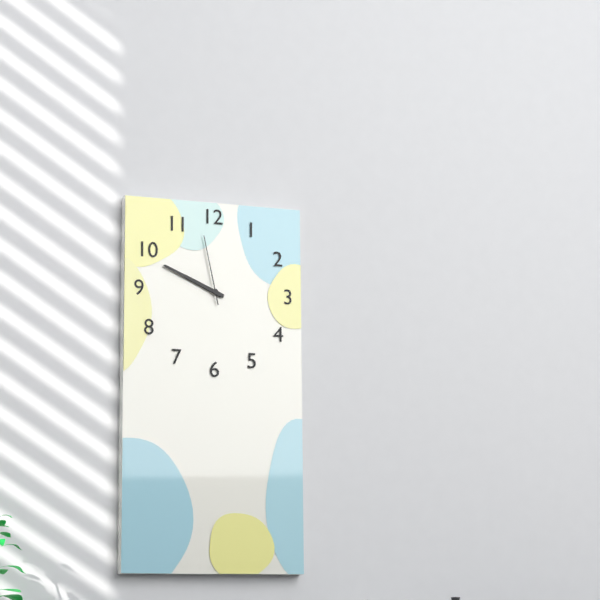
{"hour": 9, "minute": 49, "second": 58}
